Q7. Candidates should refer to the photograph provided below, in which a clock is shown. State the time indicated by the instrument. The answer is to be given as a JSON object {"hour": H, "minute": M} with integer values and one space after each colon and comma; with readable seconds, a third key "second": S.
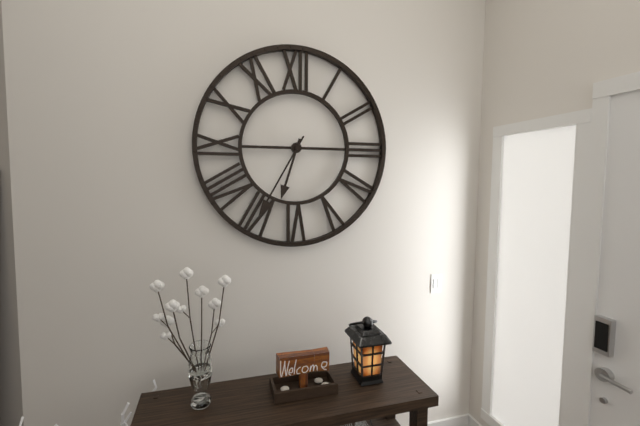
{"hour": 6, "minute": 35}
